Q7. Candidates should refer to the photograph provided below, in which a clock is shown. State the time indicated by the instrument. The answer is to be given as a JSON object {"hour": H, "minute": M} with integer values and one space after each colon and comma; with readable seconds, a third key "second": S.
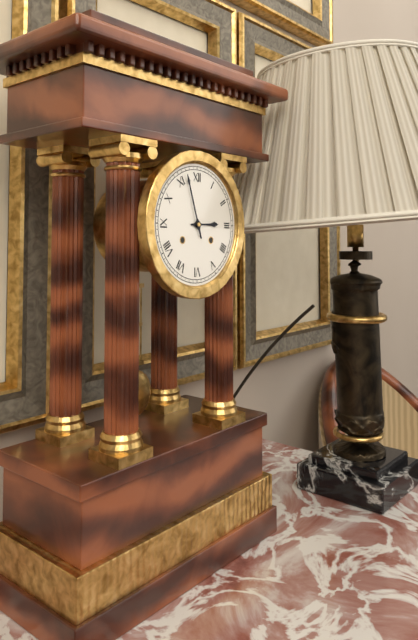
{"hour": 2, "minute": 57}
